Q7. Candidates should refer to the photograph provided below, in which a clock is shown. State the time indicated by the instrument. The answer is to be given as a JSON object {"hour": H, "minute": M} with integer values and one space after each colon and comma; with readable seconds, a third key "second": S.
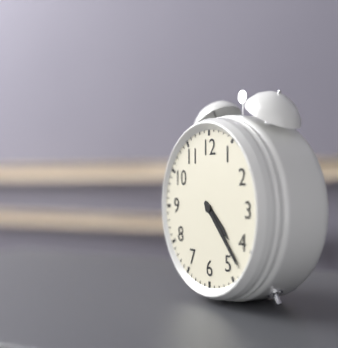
{"hour": 4, "minute": 23}
